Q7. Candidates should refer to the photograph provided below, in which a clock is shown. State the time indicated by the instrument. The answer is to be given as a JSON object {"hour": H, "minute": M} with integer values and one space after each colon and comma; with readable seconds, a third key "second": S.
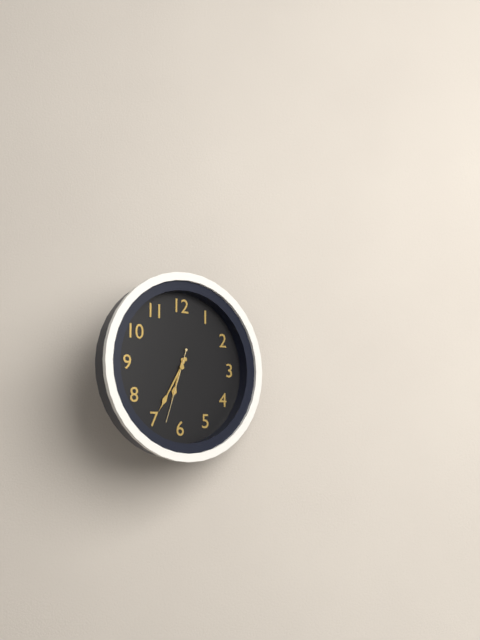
{"hour": 6, "minute": 35, "second": 33}
